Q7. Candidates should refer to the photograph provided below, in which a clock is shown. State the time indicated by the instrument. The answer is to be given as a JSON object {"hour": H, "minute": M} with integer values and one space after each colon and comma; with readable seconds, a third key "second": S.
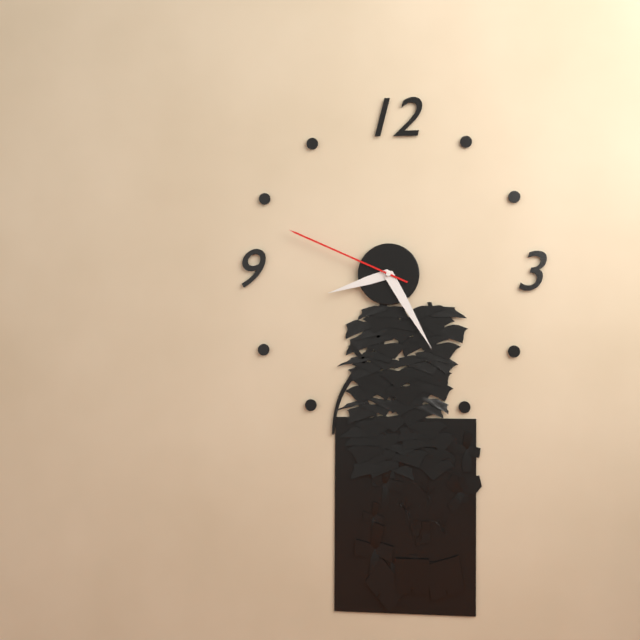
{"hour": 8, "minute": 25, "second": 49}
